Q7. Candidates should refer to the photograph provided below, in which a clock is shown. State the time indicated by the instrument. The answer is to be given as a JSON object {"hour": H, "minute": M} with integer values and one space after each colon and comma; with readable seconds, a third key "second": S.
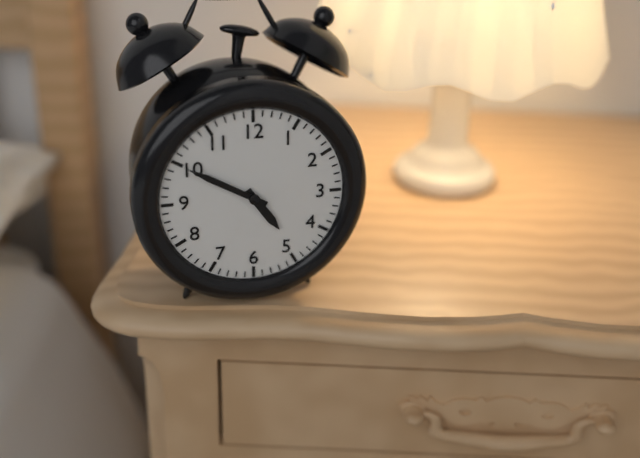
{"hour": 4, "minute": 50}
